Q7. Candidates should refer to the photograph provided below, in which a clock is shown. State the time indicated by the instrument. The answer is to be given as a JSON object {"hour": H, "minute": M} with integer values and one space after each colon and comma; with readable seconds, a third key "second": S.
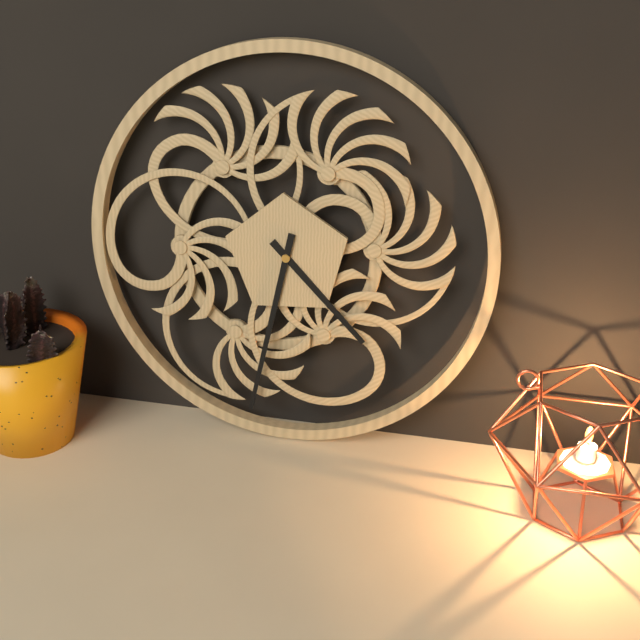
{"hour": 4, "minute": 32}
